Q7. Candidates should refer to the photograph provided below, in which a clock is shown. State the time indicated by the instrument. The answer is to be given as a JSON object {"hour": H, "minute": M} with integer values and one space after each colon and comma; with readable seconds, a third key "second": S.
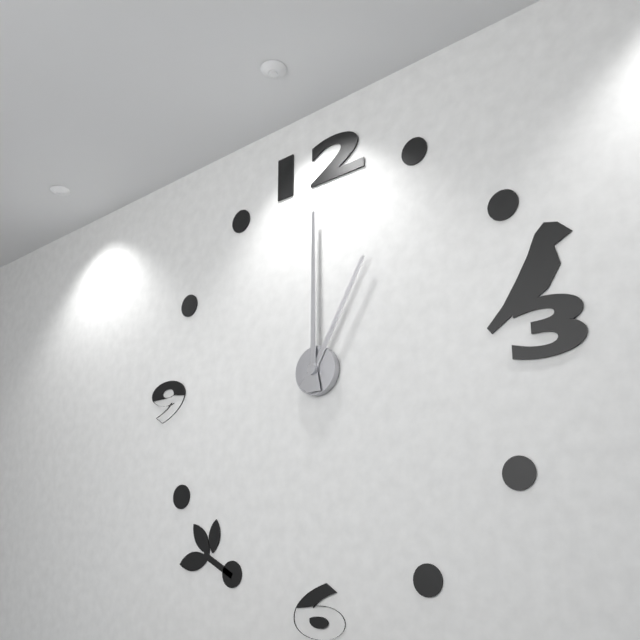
{"hour": 1, "minute": 0}
